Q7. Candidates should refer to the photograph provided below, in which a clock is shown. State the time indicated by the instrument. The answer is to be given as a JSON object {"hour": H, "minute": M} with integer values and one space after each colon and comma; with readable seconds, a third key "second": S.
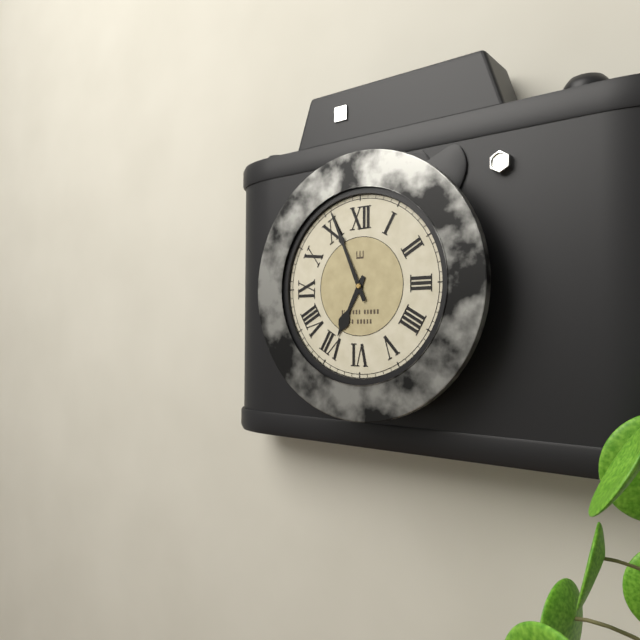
{"hour": 6, "minute": 56}
